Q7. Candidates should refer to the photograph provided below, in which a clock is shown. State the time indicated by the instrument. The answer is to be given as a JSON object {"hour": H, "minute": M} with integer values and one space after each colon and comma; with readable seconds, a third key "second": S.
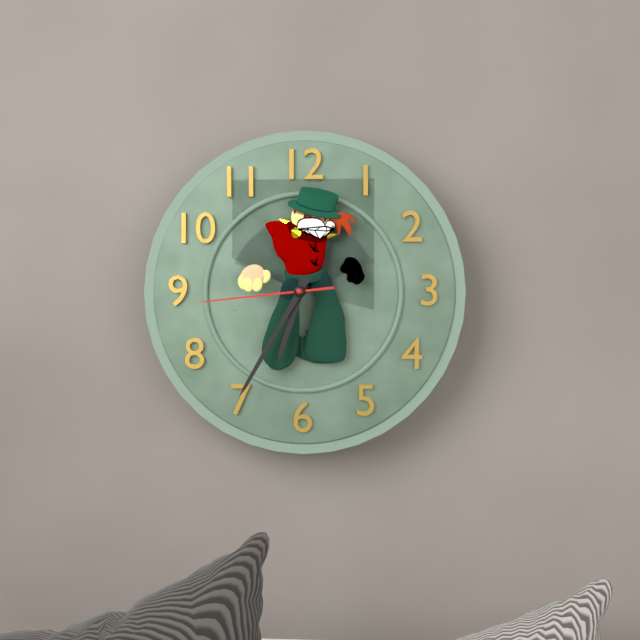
{"hour": 6, "minute": 35, "second": 44}
